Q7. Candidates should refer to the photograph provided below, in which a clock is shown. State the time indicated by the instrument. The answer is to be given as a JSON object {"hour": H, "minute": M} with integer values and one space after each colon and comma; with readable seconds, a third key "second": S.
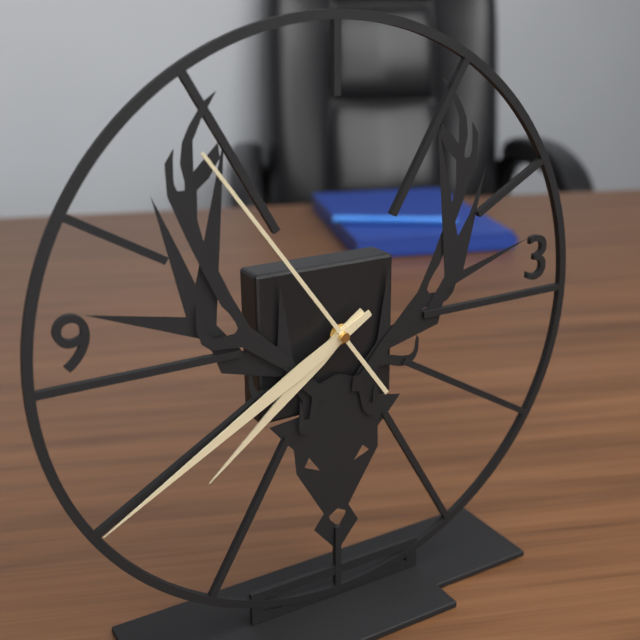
{"hour": 7, "minute": 40, "second": 54}
